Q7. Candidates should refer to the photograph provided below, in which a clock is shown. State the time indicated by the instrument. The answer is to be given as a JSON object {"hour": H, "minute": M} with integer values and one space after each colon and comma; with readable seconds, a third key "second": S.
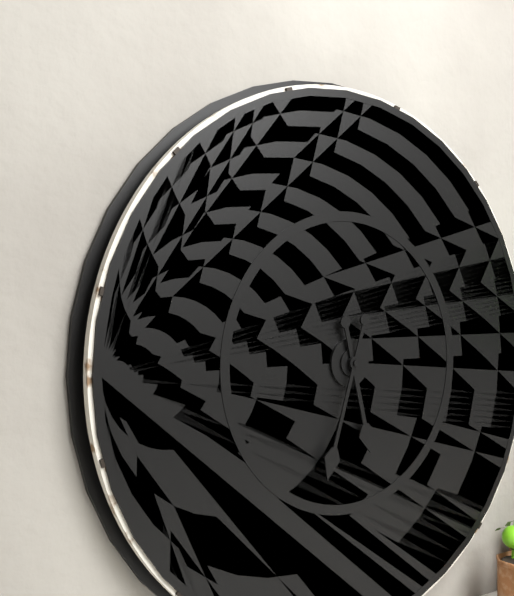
{"hour": 5, "minute": 33}
